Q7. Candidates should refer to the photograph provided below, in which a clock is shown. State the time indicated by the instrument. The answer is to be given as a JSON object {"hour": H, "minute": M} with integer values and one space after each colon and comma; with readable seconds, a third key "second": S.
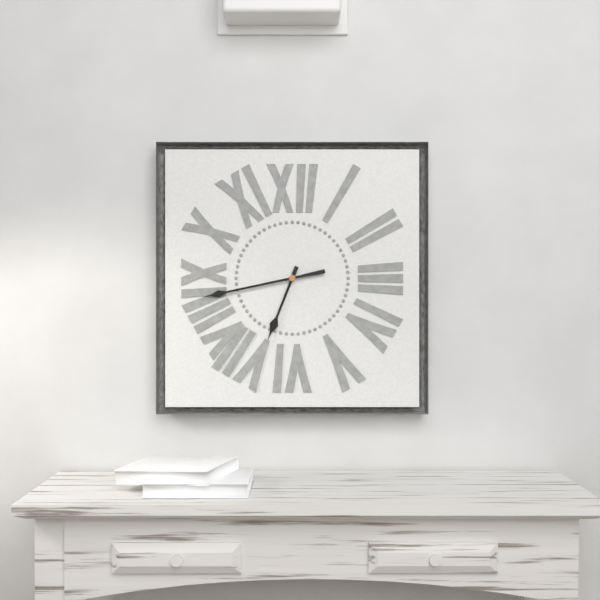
{"hour": 6, "minute": 43}
